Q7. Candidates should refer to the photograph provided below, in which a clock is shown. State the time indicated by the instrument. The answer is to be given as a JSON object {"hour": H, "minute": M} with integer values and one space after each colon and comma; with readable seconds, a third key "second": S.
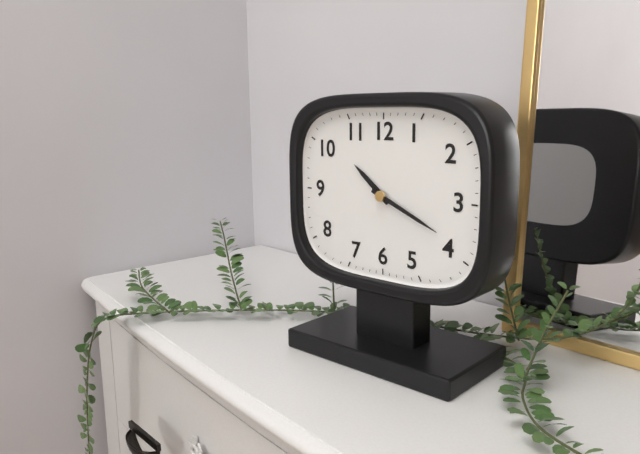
{"hour": 10, "minute": 19}
